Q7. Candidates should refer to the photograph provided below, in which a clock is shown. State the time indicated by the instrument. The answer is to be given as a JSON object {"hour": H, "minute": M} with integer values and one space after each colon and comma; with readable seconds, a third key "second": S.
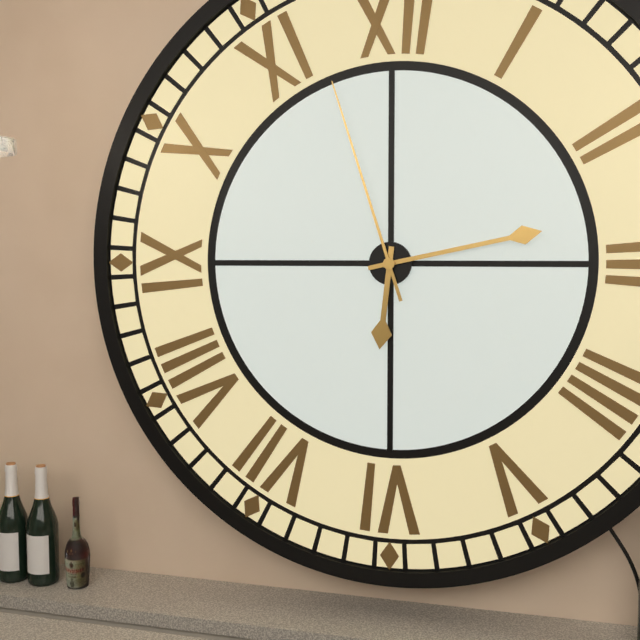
{"hour": 6, "minute": 13, "second": 57}
